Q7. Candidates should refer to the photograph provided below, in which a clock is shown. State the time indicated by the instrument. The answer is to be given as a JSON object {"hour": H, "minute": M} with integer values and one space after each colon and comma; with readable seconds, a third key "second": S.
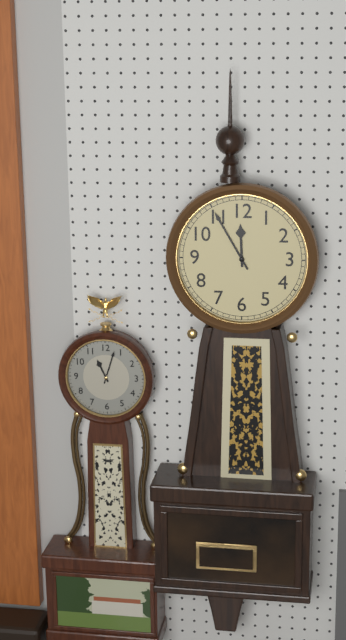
{"hour": 11, "minute": 55}
